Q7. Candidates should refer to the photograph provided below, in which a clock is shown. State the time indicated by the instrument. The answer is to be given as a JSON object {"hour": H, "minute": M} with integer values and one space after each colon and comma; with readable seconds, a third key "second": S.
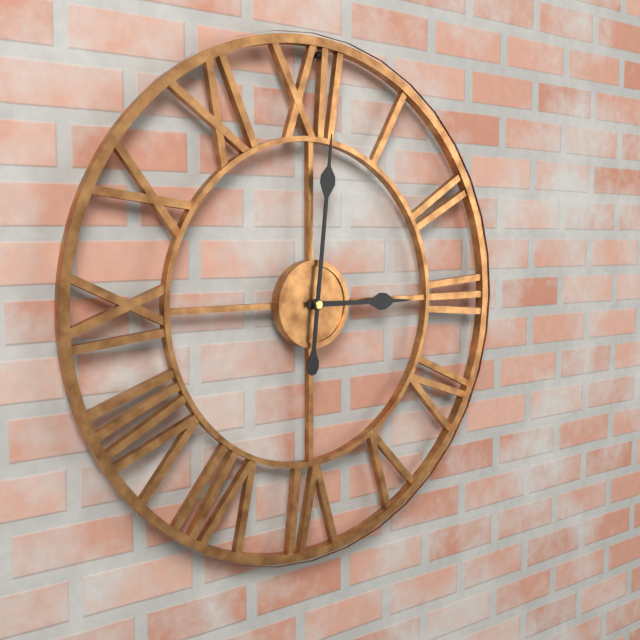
{"hour": 3, "minute": 1}
